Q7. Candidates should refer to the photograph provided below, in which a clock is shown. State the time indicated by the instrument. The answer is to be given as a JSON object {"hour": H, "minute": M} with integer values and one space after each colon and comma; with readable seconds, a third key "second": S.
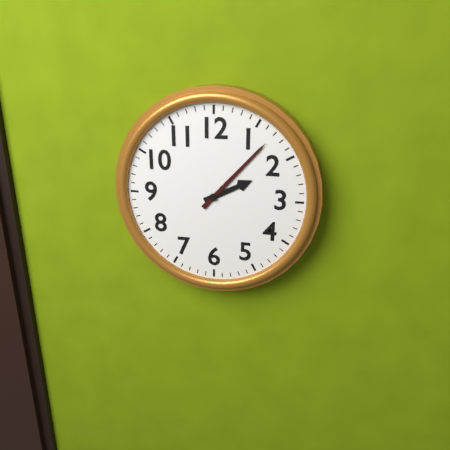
{"hour": 2, "minute": 7}
